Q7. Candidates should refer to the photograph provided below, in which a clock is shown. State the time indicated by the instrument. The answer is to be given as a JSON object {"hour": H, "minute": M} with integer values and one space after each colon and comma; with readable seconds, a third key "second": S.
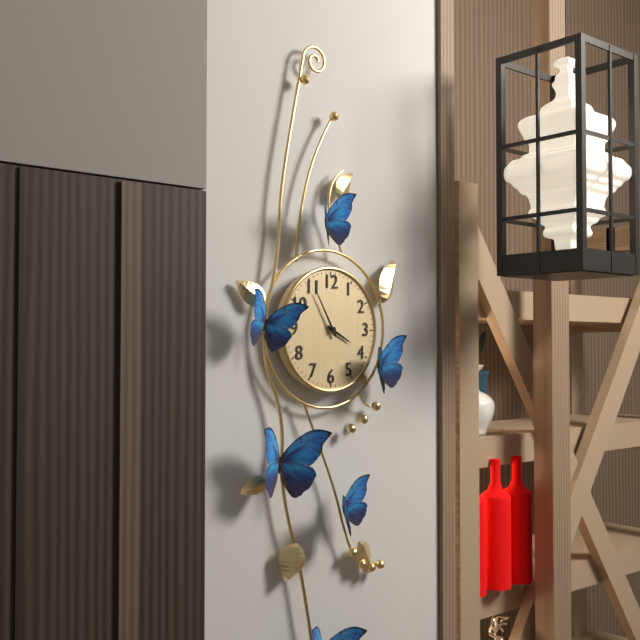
{"hour": 3, "minute": 55}
